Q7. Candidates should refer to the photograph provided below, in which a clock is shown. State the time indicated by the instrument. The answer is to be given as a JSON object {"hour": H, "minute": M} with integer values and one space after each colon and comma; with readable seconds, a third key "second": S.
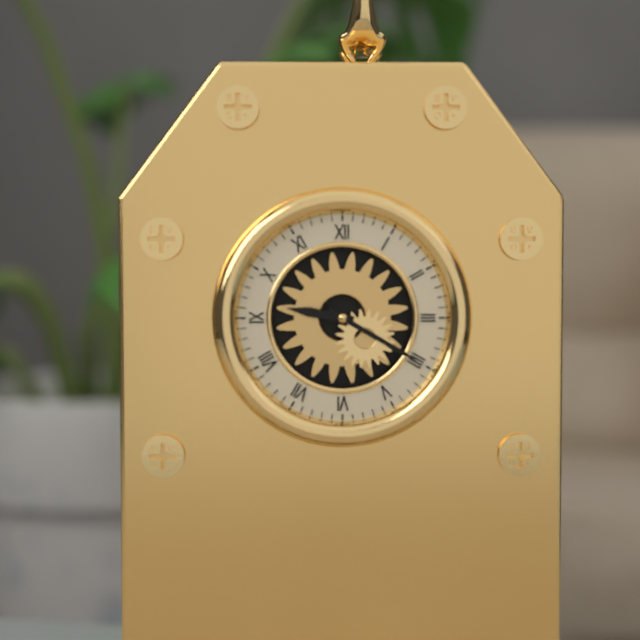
{"hour": 9, "minute": 20}
